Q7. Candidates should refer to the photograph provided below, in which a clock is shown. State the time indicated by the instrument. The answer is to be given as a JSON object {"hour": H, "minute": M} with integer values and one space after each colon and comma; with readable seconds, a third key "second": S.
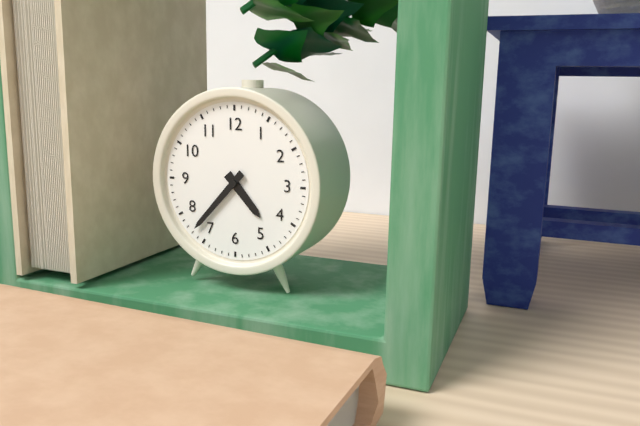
{"hour": 4, "minute": 37}
